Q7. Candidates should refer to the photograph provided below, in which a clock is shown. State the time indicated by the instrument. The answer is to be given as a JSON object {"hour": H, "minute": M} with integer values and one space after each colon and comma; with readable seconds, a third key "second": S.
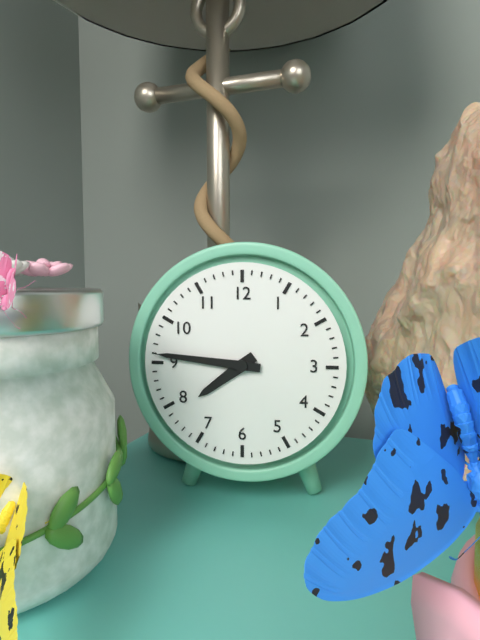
{"hour": 7, "minute": 46}
